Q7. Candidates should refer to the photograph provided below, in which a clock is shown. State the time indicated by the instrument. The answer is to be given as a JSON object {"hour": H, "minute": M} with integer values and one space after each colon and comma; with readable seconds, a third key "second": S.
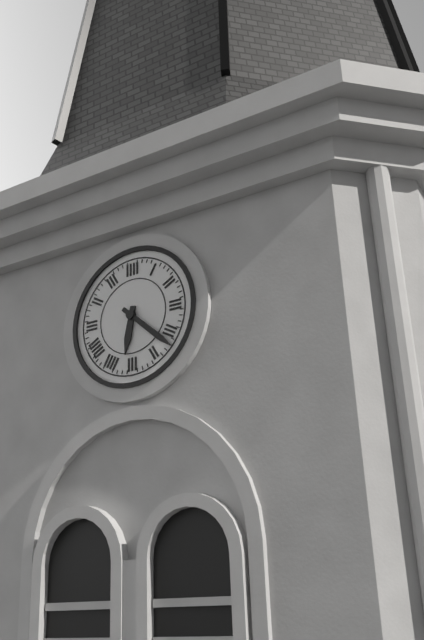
{"hour": 6, "minute": 22}
